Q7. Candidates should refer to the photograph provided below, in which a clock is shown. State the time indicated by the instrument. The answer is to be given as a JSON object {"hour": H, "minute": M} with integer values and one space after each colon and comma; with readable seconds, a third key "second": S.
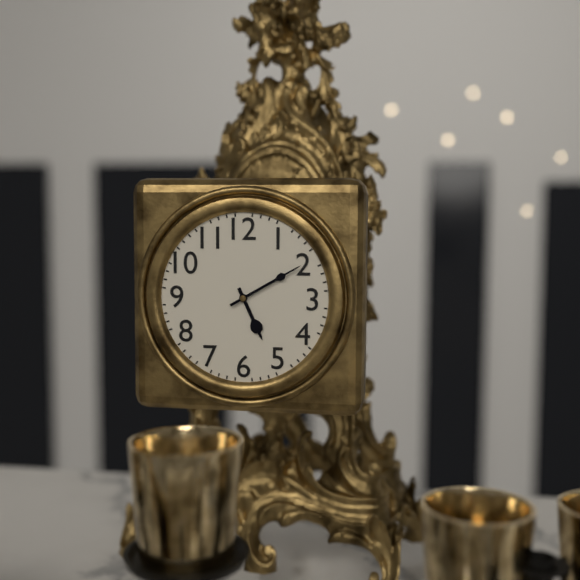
{"hour": 5, "minute": 10}
